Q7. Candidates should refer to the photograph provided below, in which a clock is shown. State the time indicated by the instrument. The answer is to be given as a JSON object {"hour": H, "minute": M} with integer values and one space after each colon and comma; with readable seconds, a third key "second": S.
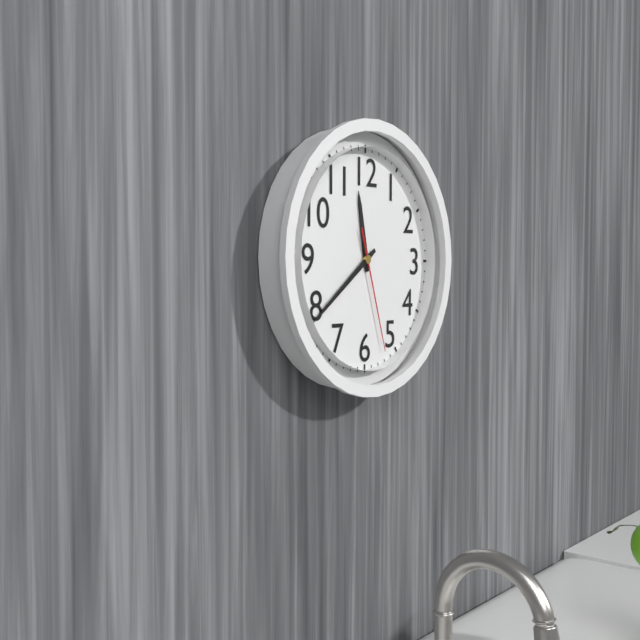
{"hour": 11, "minute": 39, "second": 27}
